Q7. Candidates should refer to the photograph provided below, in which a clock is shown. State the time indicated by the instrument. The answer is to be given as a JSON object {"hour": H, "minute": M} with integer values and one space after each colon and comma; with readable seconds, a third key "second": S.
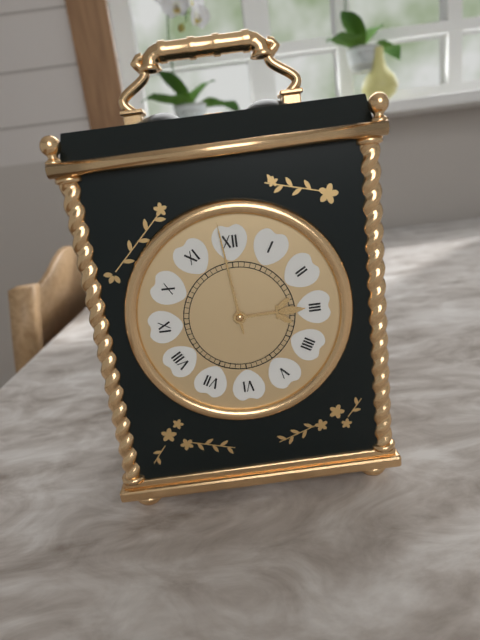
{"hour": 2, "minute": 59}
